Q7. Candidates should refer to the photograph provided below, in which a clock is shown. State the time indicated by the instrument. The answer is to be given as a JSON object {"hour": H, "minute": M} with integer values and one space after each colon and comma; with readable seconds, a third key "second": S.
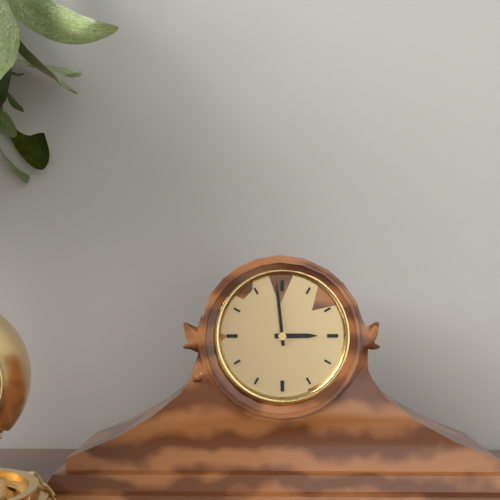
{"hour": 2, "minute": 59}
